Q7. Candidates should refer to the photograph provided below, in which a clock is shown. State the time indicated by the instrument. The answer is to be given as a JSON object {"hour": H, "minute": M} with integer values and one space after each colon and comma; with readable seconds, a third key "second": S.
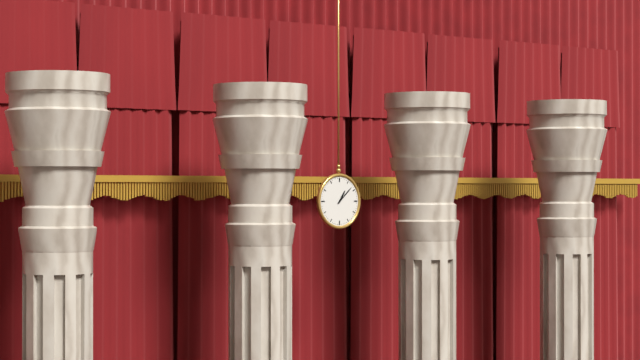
{"hour": 1, "minute": 8}
